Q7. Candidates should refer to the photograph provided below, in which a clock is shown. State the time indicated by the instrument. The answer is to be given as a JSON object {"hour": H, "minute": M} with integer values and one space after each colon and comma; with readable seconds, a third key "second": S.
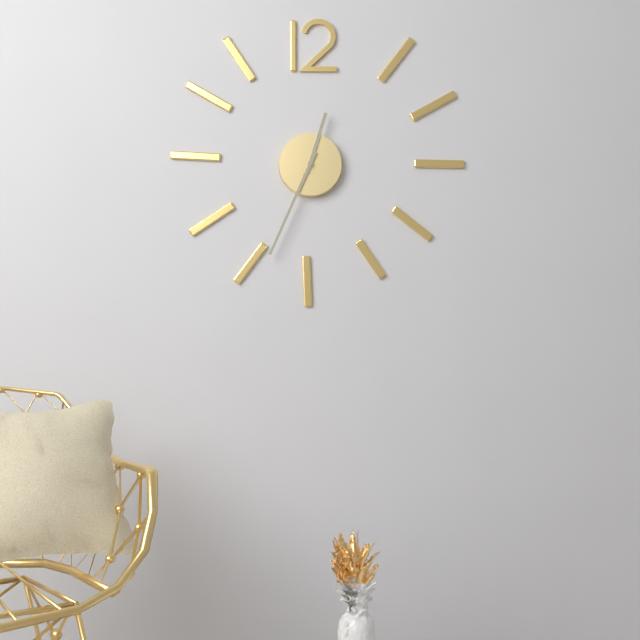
{"hour": 12, "minute": 34}
